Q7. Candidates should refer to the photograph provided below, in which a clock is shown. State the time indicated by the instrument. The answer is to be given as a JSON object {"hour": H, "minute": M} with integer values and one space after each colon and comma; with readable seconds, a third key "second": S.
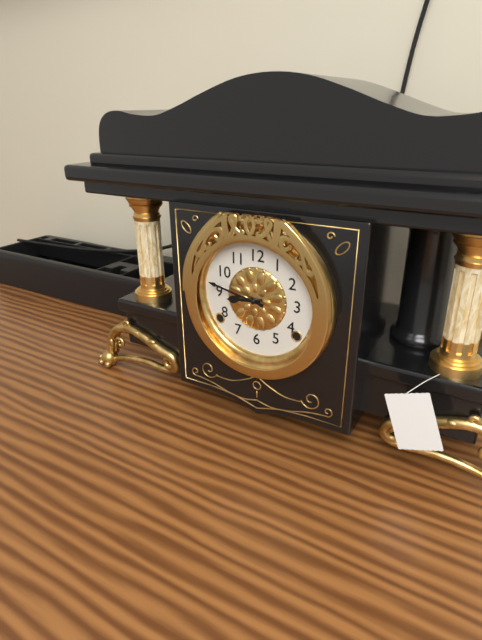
{"hour": 8, "minute": 47}
